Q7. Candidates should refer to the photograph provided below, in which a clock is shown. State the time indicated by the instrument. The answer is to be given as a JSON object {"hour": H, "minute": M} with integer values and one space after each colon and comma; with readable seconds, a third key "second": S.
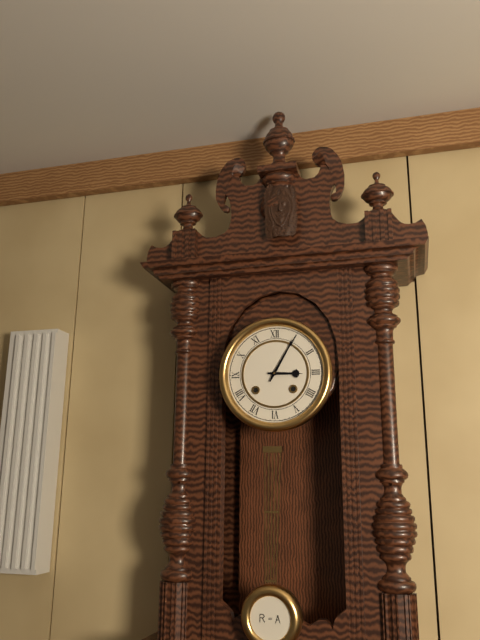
{"hour": 3, "minute": 5}
